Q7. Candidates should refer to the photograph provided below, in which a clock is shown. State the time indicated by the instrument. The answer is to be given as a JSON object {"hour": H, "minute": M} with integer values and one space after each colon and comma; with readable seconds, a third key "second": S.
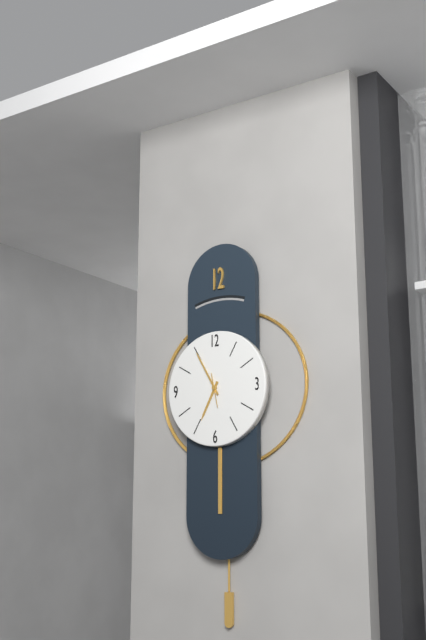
{"hour": 6, "minute": 55}
